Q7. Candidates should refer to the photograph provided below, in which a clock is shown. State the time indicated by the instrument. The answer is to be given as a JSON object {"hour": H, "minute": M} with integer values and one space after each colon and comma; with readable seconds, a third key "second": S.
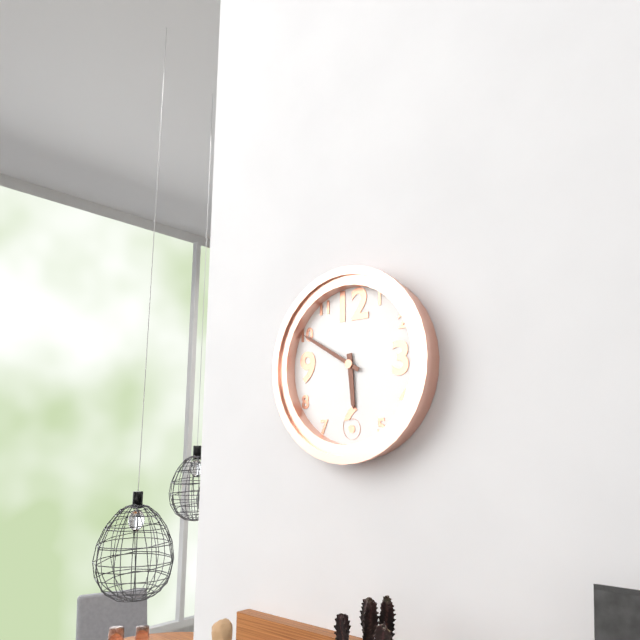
{"hour": 5, "minute": 50}
